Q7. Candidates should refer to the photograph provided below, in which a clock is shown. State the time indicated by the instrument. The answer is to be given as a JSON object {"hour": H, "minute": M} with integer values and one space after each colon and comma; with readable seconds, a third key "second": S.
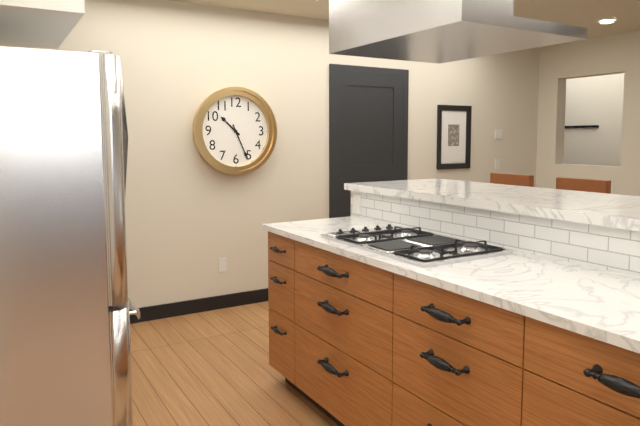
{"hour": 10, "minute": 26}
